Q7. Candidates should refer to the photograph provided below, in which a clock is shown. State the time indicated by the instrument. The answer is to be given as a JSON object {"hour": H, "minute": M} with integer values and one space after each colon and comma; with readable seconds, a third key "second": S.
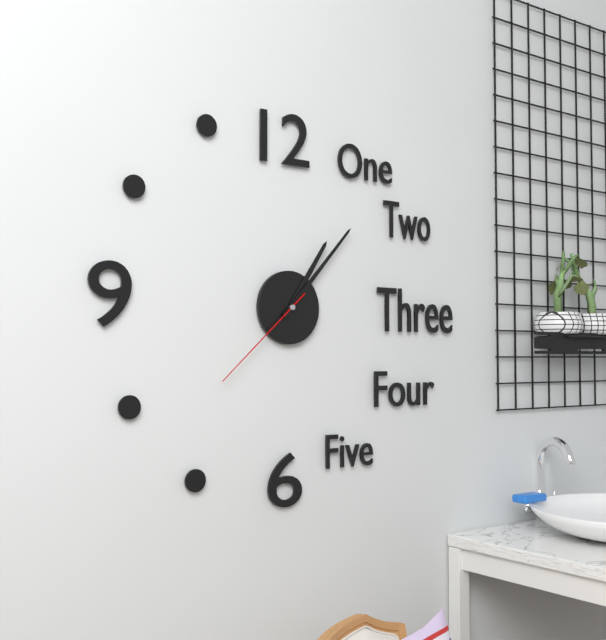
{"hour": 1, "minute": 7, "second": 38}
